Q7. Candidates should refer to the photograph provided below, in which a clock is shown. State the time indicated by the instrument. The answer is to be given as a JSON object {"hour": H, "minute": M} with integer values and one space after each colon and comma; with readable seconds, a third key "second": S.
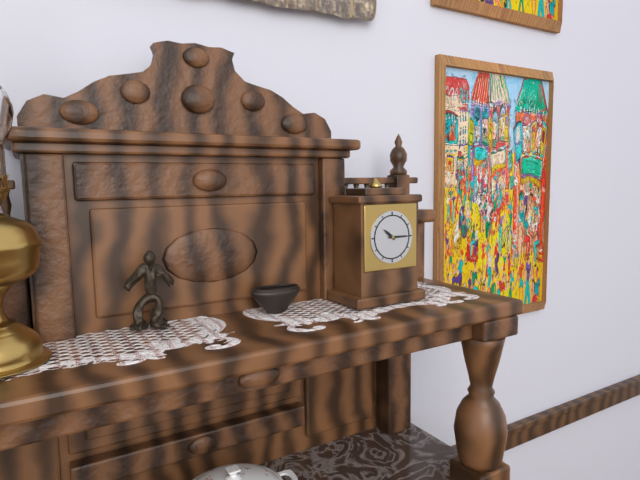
{"hour": 10, "minute": 15}
